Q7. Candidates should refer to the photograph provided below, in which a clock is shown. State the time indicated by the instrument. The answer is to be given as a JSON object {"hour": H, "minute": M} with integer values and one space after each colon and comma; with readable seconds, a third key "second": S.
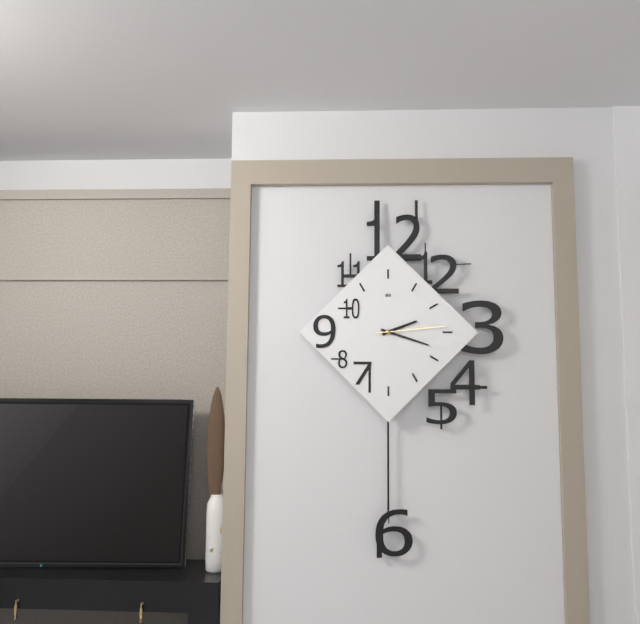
{"hour": 2, "minute": 18, "second": 14}
